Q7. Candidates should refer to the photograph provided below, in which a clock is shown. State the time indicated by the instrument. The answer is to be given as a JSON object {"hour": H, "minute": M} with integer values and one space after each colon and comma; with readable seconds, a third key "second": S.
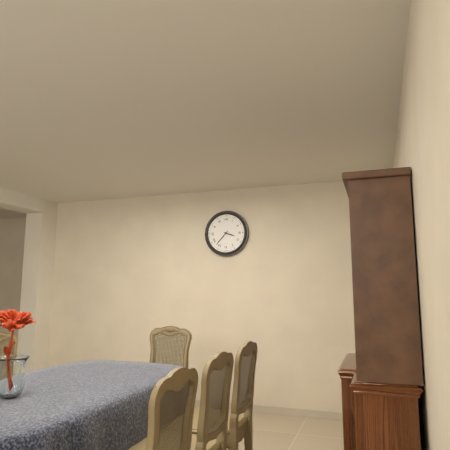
{"hour": 3, "minute": 37}
